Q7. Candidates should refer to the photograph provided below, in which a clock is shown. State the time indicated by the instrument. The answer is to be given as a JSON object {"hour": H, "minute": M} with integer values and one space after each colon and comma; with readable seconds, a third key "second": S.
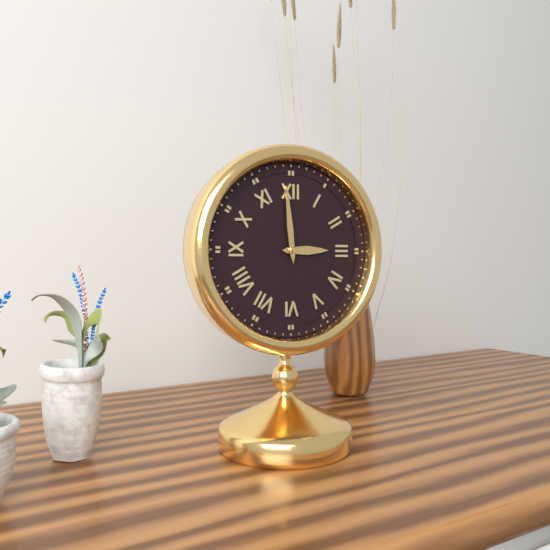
{"hour": 2, "minute": 59}
